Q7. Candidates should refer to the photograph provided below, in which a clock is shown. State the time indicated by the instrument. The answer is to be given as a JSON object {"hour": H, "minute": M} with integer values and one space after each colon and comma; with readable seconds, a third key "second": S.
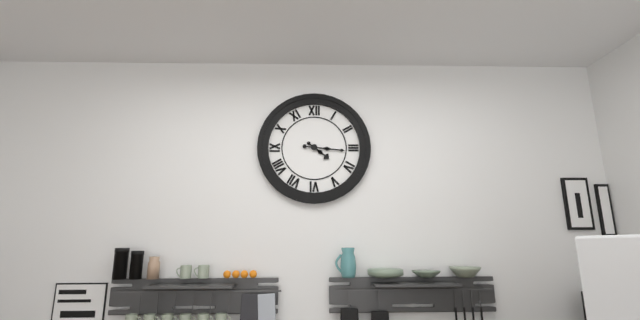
{"hour": 4, "minute": 16}
